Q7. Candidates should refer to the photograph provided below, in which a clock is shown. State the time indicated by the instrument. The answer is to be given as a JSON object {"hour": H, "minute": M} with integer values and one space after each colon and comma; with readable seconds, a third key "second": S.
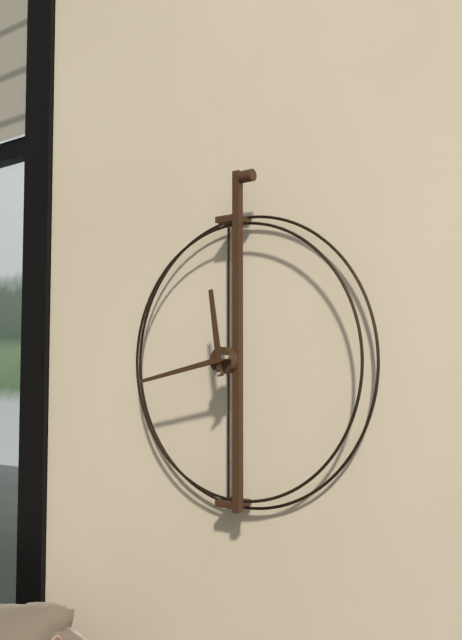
{"hour": 11, "minute": 43}
